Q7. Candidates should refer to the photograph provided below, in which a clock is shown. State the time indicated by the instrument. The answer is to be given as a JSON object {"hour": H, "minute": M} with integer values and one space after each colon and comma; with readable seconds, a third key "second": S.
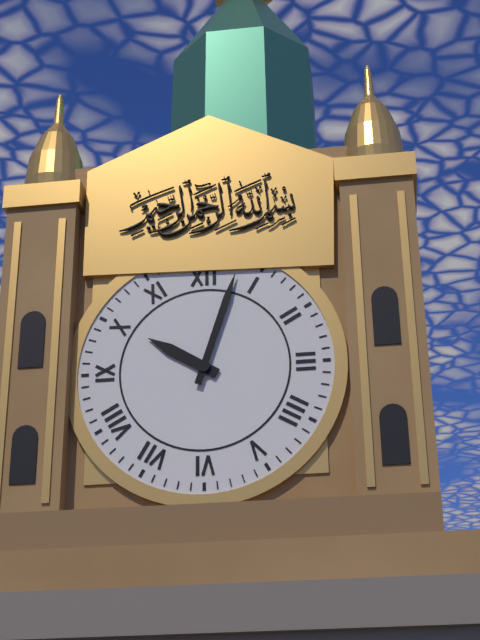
{"hour": 10, "minute": 3}
